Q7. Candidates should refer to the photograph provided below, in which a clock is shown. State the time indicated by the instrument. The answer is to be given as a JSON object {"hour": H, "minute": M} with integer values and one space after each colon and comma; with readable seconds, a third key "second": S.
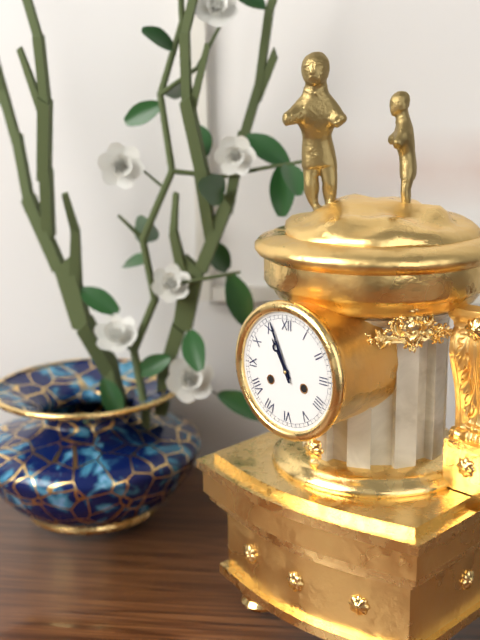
{"hour": 10, "minute": 56}
